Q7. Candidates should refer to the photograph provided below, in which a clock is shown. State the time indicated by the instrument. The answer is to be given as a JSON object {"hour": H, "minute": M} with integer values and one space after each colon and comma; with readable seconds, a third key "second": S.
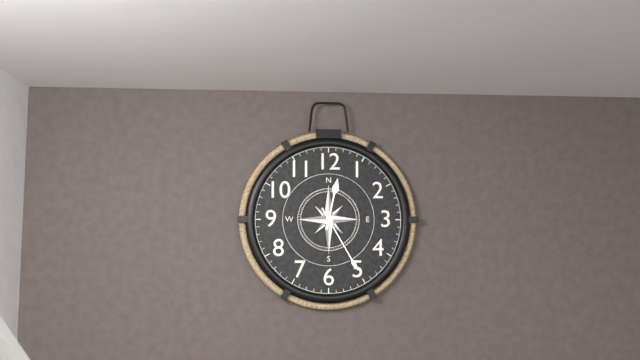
{"hour": 12, "minute": 25}
